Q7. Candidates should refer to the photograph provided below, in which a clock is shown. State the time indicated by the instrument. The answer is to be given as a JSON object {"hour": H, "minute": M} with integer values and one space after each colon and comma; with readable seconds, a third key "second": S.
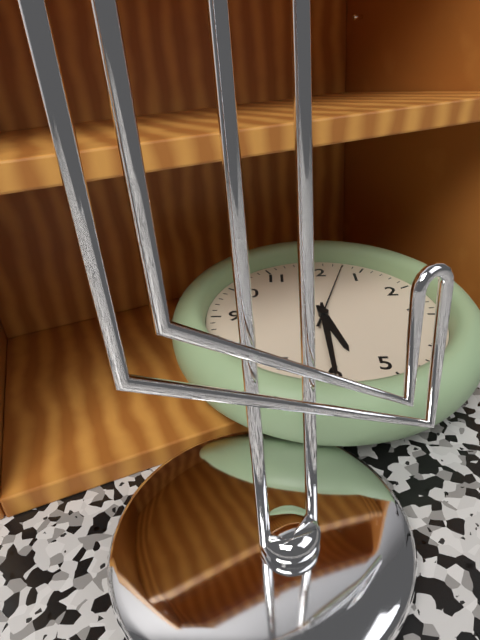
{"hour": 5, "minute": 30, "second": 3}
